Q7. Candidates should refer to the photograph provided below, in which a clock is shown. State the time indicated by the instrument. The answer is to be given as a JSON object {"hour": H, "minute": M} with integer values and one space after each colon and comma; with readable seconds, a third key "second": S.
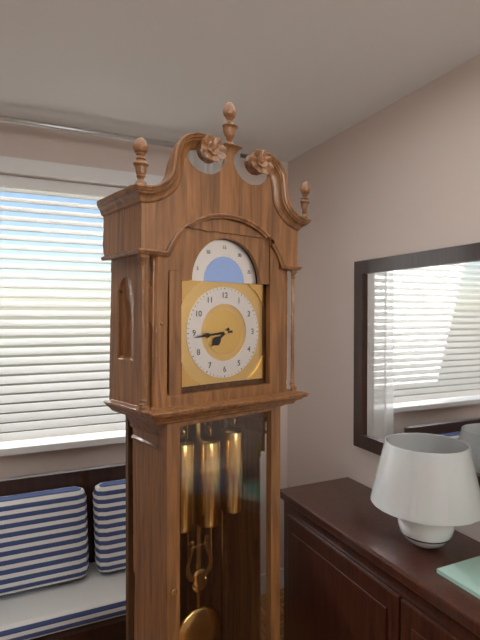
{"hour": 7, "minute": 44}
